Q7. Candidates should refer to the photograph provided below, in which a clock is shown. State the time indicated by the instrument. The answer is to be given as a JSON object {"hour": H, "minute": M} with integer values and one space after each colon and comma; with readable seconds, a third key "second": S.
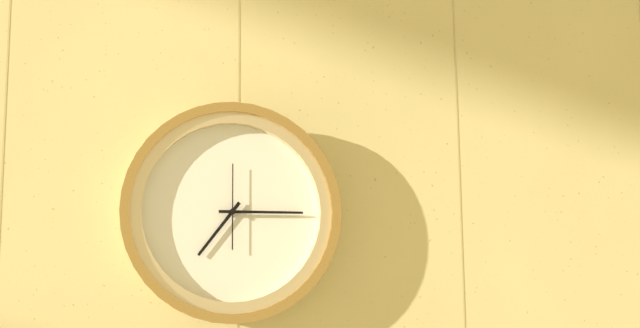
{"hour": 7, "minute": 15, "second": 0}
